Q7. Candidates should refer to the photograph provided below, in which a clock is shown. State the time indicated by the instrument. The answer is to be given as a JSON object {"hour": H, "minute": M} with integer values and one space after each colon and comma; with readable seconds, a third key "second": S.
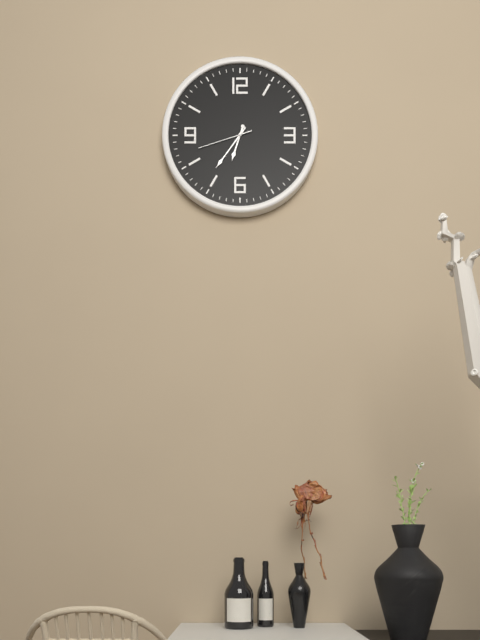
{"hour": 6, "minute": 36, "second": 42}
